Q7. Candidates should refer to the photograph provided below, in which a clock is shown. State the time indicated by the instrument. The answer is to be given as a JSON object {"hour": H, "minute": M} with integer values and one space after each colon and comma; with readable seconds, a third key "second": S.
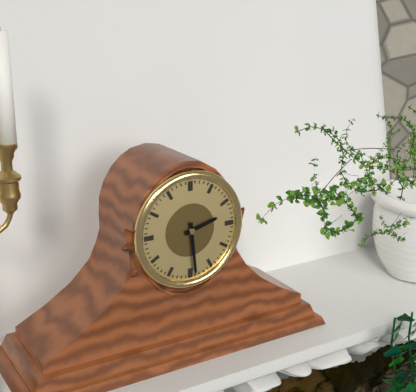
{"hour": 2, "minute": 29}
